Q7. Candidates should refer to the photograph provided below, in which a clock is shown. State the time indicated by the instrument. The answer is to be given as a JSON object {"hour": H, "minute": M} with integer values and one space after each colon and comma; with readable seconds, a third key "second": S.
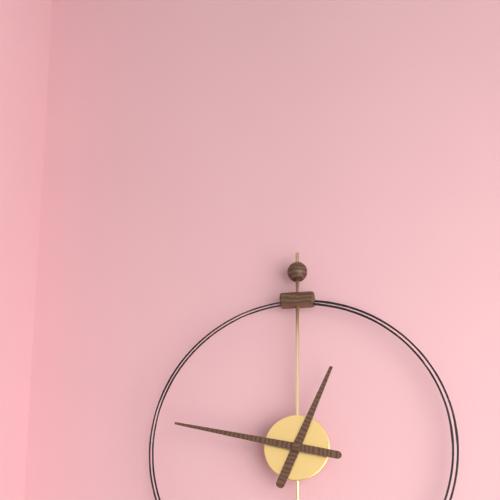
{"hour": 12, "minute": 47}
